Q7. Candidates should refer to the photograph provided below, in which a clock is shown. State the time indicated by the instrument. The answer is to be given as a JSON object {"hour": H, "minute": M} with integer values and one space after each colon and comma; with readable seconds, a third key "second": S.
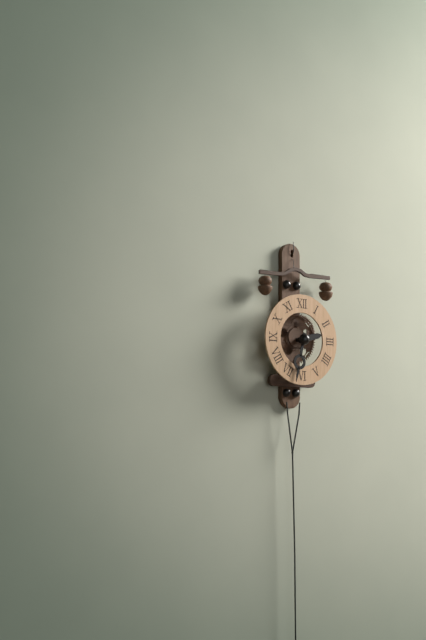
{"hour": 2, "minute": 32}
